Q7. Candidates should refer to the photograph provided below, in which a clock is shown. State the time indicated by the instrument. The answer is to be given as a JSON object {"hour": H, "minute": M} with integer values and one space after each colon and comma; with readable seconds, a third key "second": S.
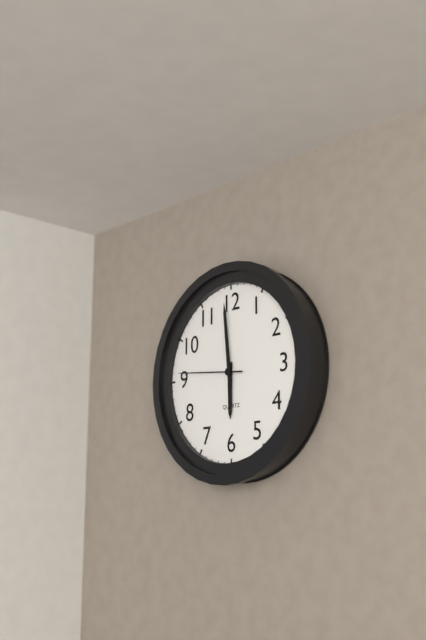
{"hour": 5, "minute": 59, "second": 46}
